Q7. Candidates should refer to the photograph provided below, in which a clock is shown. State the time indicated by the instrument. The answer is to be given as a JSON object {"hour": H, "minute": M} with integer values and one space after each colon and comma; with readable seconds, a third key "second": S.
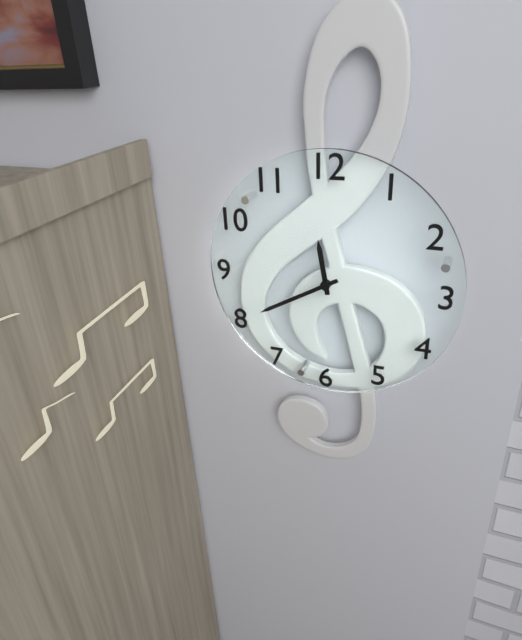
{"hour": 11, "minute": 40}
